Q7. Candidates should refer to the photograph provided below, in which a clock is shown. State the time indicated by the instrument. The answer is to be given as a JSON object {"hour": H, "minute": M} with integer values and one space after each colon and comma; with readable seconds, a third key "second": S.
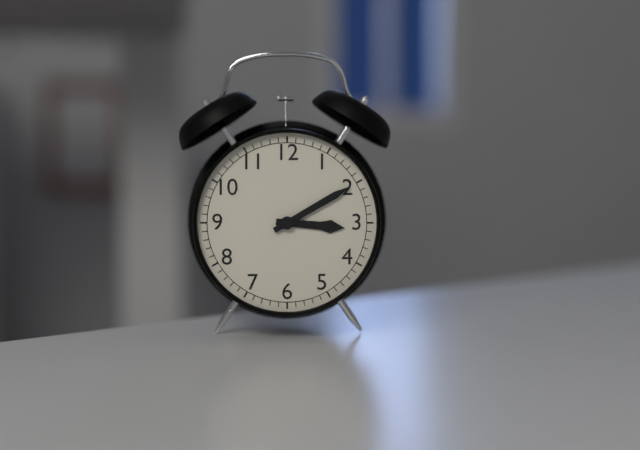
{"hour": 3, "minute": 10}
